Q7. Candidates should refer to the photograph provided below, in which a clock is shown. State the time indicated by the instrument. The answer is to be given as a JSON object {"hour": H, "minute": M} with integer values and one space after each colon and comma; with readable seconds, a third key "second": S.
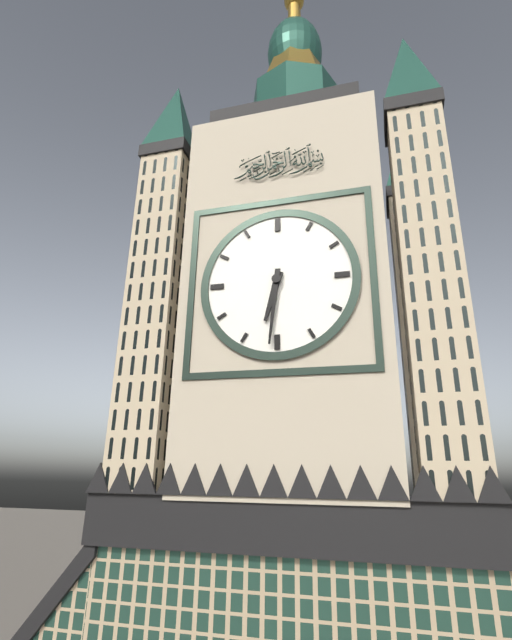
{"hour": 6, "minute": 31}
